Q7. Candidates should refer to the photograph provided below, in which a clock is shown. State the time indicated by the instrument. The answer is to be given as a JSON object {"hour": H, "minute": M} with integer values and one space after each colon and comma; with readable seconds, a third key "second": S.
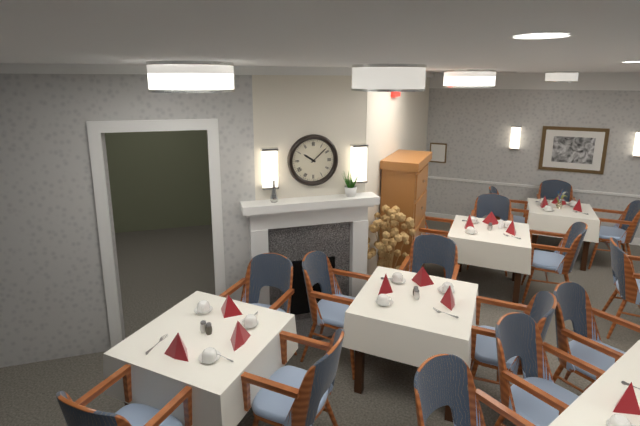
{"hour": 10, "minute": 8}
